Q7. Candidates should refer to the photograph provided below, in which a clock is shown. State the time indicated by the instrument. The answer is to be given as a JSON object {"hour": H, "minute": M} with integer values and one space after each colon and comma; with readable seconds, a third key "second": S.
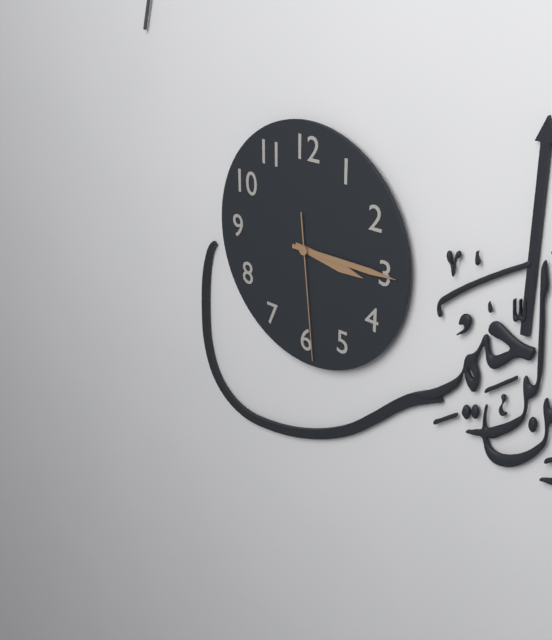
{"hour": 3, "minute": 15, "second": 29}
